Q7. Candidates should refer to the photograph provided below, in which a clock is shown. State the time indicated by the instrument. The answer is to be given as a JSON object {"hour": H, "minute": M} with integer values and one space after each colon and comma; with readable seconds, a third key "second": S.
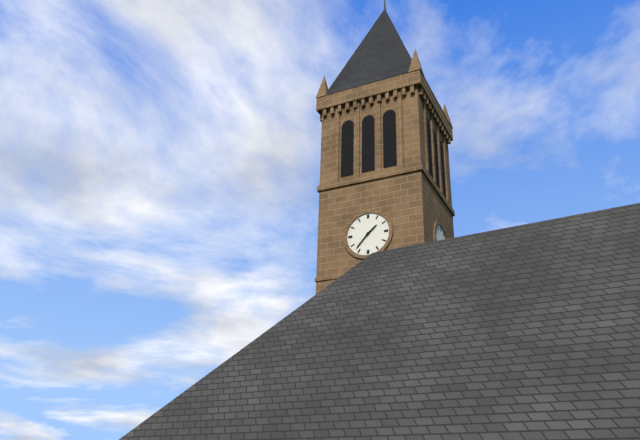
{"hour": 1, "minute": 37}
